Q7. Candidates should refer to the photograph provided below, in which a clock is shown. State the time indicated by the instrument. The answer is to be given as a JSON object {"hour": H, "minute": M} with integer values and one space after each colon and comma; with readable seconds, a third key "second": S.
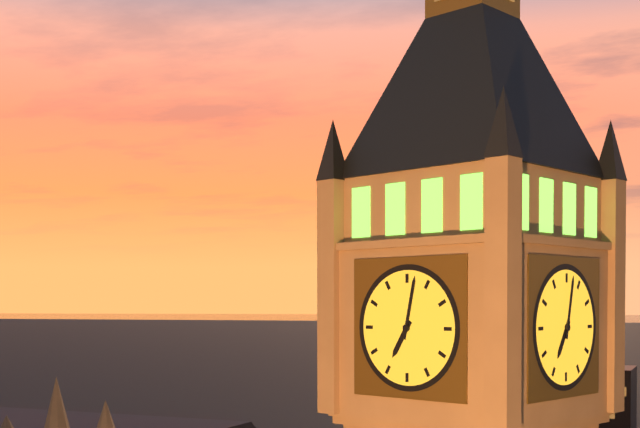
{"hour": 7, "minute": 2}
